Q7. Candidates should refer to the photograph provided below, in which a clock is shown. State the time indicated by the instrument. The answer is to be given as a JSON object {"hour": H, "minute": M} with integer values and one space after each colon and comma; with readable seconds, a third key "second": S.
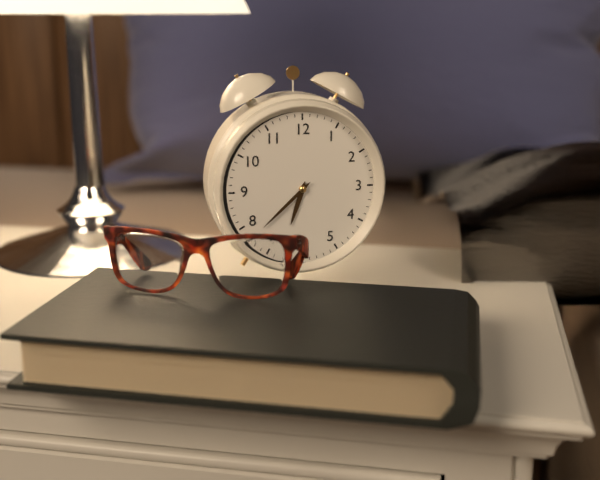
{"hour": 6, "minute": 38}
